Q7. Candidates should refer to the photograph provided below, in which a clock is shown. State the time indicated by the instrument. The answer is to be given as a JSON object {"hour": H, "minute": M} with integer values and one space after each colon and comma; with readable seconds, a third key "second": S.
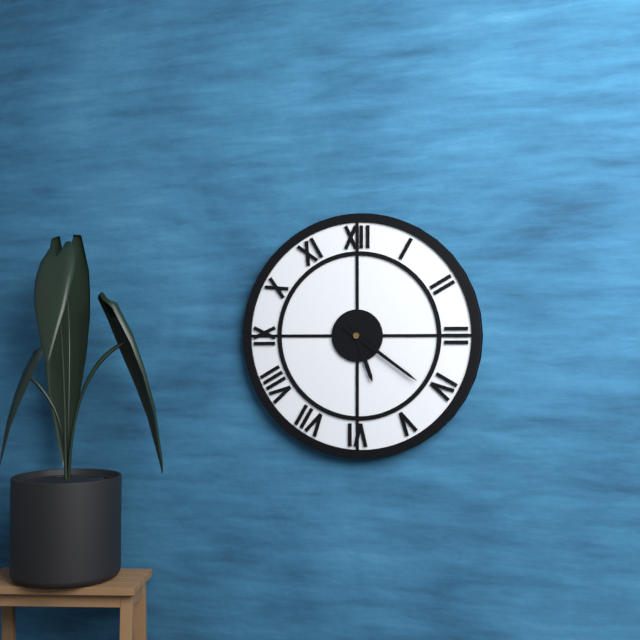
{"hour": 5, "minute": 21}
